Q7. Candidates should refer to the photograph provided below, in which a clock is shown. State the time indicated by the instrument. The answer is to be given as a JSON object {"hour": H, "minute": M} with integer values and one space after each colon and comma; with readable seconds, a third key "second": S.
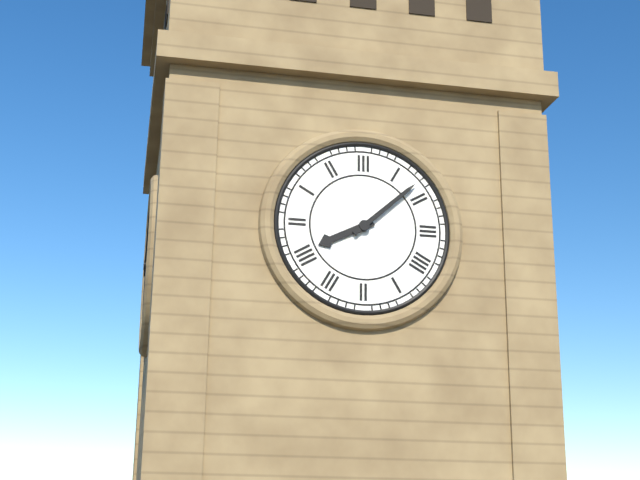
{"hour": 8, "minute": 8}
